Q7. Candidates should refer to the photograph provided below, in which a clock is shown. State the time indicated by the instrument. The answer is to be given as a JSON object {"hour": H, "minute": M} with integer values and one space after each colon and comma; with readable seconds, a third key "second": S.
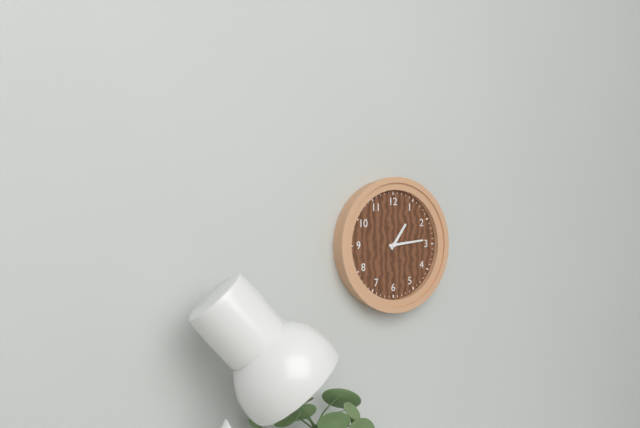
{"hour": 1, "minute": 14}
